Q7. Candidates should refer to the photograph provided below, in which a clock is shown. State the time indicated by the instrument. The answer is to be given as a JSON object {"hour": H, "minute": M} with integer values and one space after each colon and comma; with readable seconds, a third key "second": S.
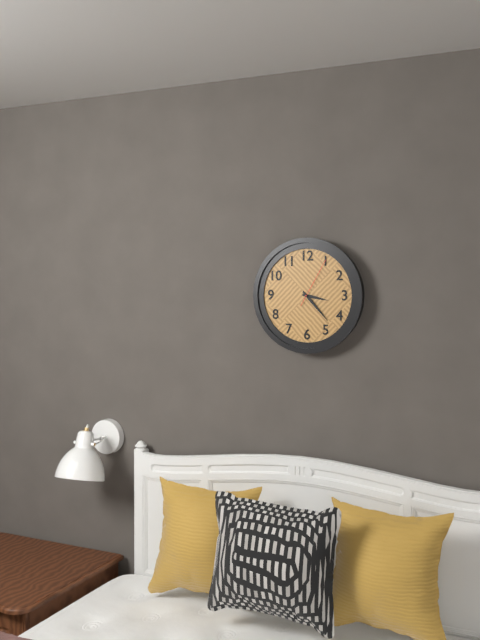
{"hour": 3, "minute": 23, "second": 5}
